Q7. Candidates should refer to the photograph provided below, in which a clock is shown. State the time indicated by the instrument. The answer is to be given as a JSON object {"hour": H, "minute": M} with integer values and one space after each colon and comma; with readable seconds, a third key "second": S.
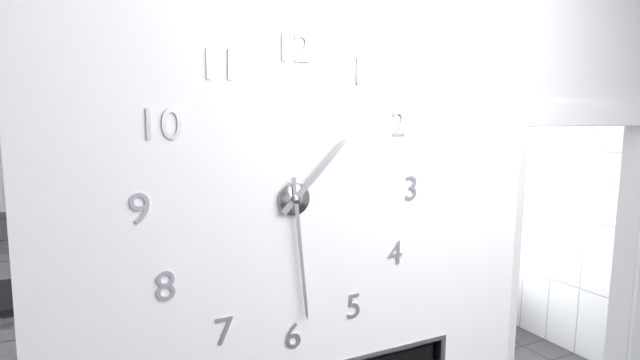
{"hour": 1, "minute": 29}
